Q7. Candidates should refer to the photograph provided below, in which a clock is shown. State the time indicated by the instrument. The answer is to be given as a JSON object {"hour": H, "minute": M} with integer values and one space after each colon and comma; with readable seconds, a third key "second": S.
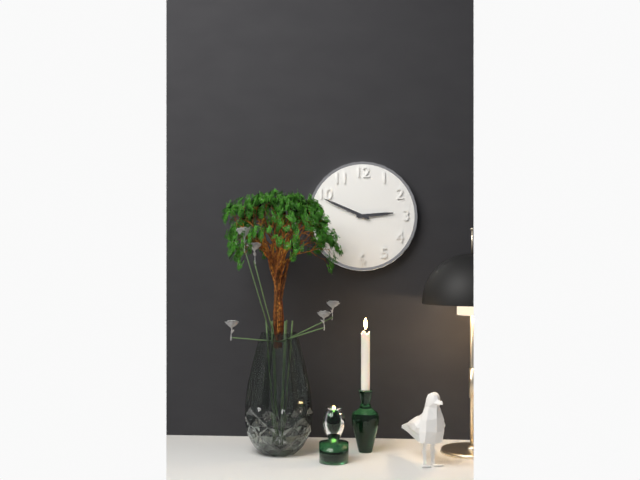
{"hour": 2, "minute": 49}
